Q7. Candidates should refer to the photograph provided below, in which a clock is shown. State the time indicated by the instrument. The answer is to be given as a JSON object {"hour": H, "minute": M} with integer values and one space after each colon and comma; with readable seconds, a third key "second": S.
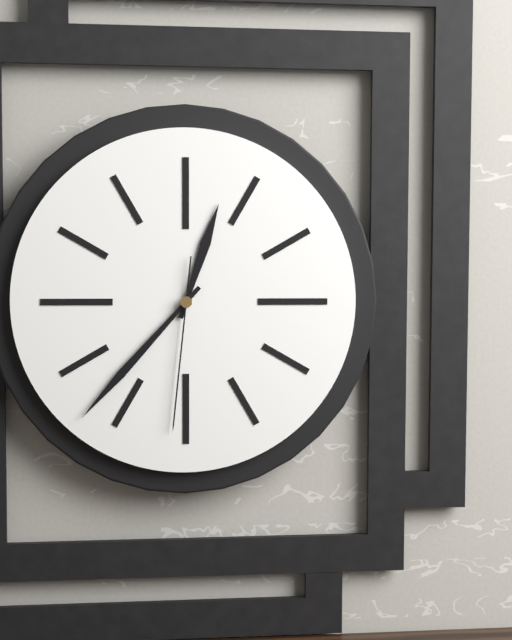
{"hour": 12, "minute": 37, "second": 31}
